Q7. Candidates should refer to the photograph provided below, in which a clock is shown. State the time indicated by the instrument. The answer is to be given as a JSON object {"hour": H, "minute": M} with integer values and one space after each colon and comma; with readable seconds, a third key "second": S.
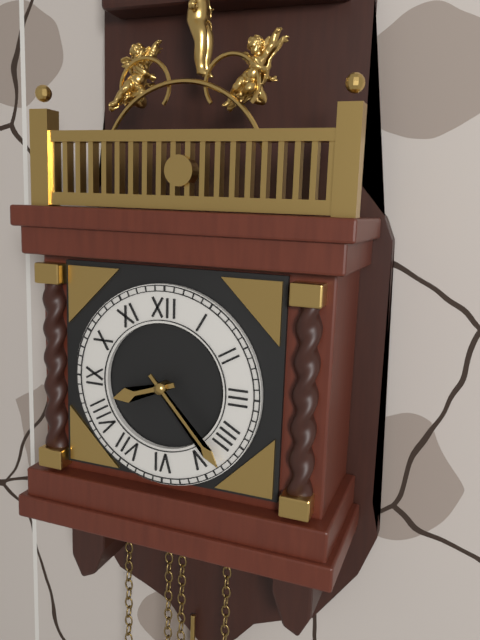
{"hour": 8, "minute": 23}
